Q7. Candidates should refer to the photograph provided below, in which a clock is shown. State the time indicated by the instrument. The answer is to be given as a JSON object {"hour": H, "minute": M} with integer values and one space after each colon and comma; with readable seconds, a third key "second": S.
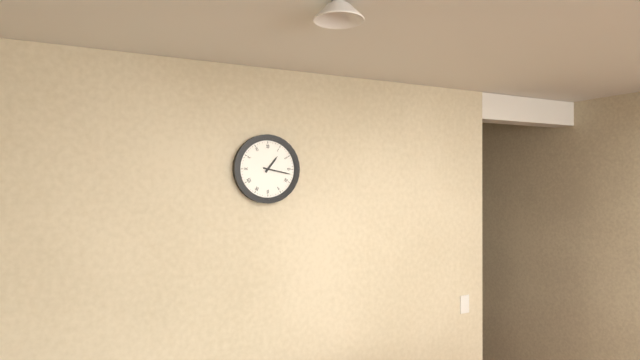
{"hour": 1, "minute": 17}
